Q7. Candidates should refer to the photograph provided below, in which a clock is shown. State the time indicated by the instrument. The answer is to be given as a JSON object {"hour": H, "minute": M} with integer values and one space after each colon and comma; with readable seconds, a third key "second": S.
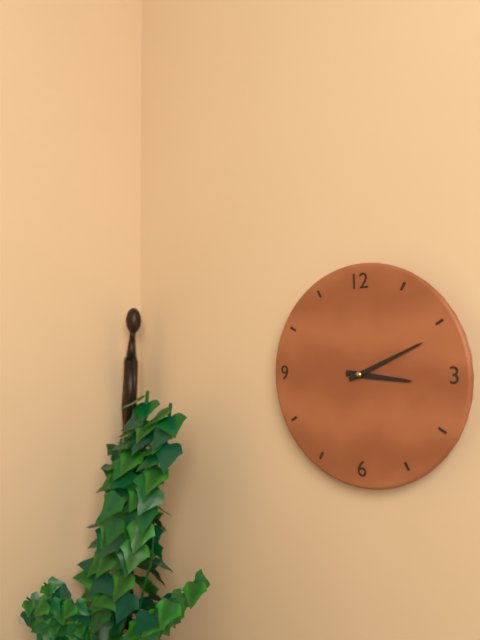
{"hour": 3, "minute": 11}
